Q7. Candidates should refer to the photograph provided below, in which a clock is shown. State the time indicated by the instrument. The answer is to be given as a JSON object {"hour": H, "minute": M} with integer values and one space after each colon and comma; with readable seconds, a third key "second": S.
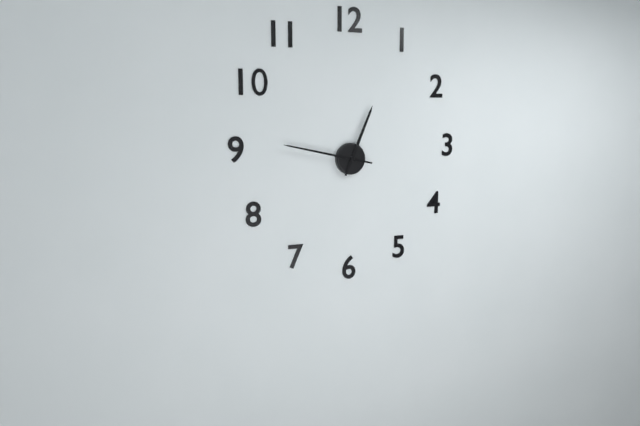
{"hour": 12, "minute": 47}
